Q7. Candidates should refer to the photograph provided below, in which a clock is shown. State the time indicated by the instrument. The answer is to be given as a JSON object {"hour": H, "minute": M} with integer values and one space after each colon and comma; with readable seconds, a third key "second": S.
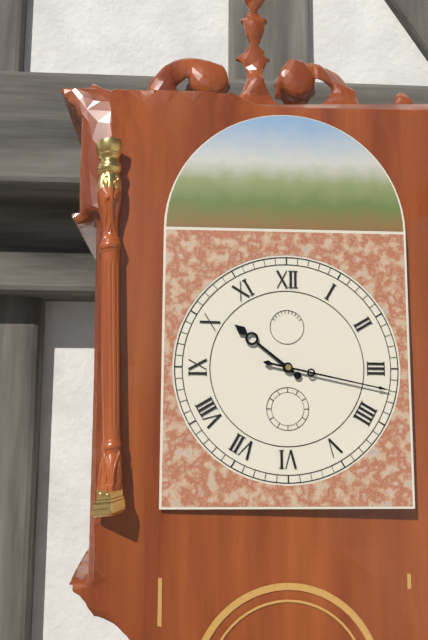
{"hour": 10, "minute": 17}
